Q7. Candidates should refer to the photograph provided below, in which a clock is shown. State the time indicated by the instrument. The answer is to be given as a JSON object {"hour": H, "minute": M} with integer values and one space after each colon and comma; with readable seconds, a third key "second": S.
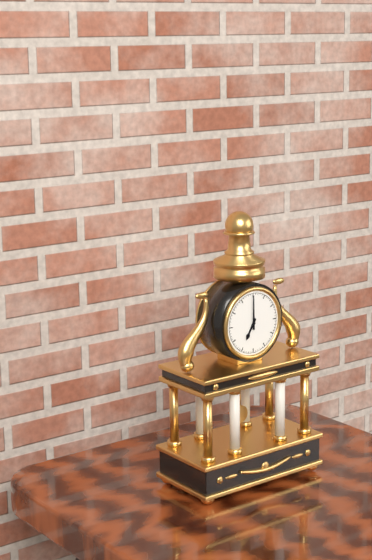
{"hour": 7, "minute": 0}
